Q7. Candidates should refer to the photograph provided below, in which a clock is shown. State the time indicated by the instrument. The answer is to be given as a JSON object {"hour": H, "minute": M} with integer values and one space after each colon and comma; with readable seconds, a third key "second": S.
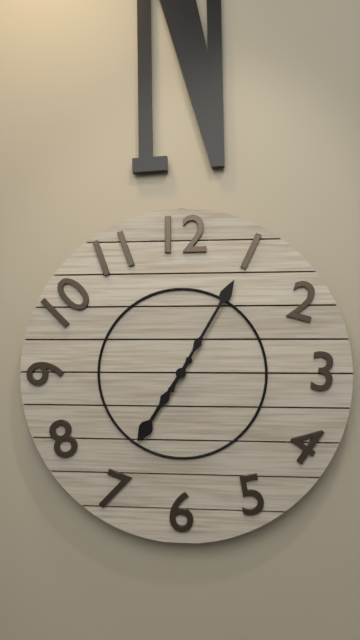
{"hour": 7, "minute": 5}
